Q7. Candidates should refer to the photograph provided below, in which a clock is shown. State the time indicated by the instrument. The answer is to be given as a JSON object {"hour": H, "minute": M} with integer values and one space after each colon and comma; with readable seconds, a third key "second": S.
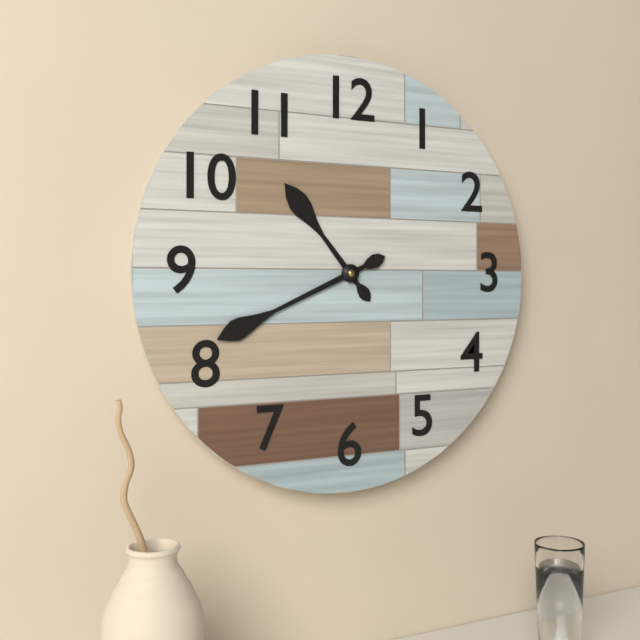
{"hour": 10, "minute": 41}
